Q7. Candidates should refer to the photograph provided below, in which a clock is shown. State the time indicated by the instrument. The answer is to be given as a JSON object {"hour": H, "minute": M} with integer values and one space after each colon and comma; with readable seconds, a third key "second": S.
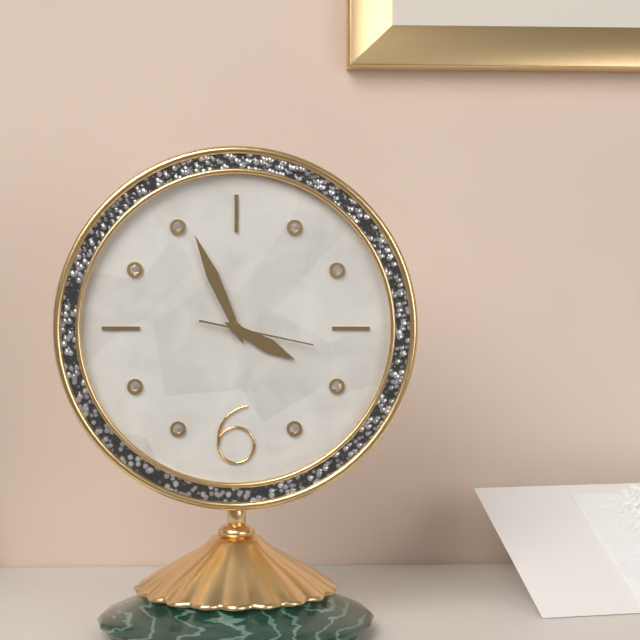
{"hour": 3, "minute": 56, "second": 17}
